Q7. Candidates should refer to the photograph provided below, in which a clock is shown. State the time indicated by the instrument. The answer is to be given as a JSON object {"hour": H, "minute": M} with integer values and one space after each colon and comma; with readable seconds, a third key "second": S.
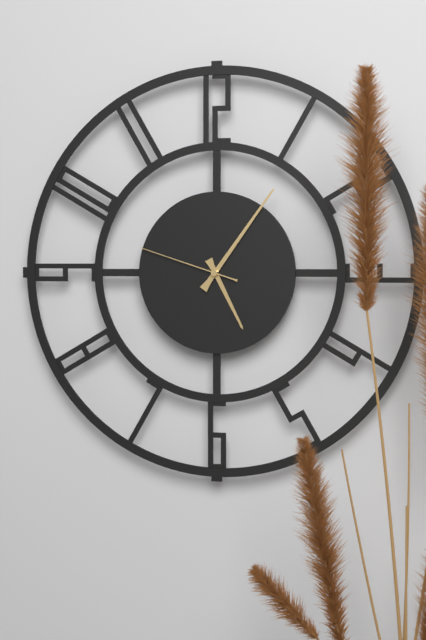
{"hour": 5, "minute": 6, "second": 48}
